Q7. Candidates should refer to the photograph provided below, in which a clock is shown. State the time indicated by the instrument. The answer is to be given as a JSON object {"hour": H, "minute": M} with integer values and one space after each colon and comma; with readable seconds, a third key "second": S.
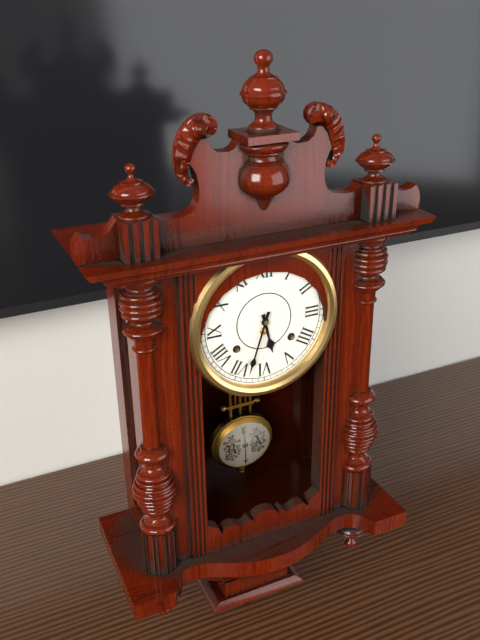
{"hour": 5, "minute": 33}
